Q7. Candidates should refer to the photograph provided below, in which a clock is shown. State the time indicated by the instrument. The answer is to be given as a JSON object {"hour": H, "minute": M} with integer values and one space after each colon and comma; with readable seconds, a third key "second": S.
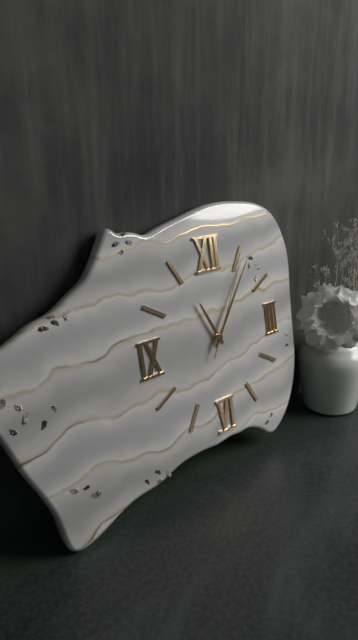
{"hour": 11, "minute": 6, "second": 5}
